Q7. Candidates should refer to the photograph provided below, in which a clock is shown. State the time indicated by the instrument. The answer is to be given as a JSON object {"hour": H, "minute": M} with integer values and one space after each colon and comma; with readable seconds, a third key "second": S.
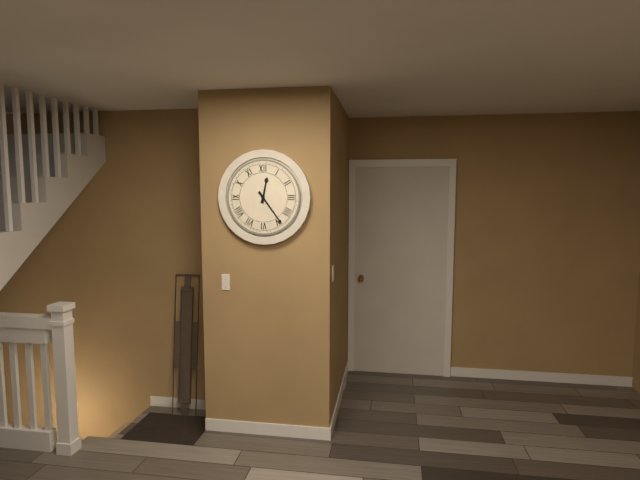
{"hour": 12, "minute": 24}
